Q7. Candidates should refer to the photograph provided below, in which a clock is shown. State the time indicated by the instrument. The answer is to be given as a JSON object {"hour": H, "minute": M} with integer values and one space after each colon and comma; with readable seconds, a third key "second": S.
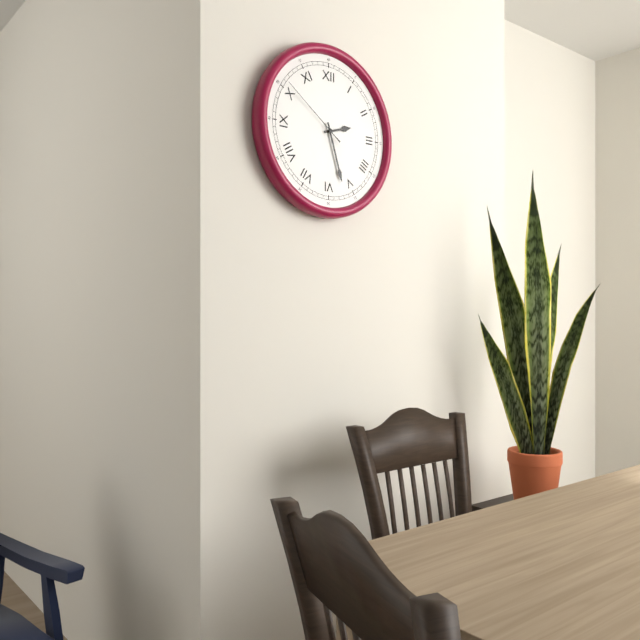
{"hour": 2, "minute": 27, "second": 51}
